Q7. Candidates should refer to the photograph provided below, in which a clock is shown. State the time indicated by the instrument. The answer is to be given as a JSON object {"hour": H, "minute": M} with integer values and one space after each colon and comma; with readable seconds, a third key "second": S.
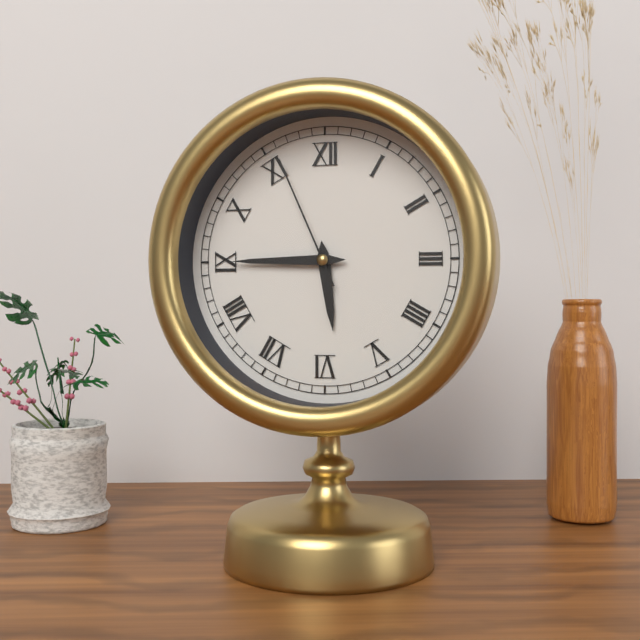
{"hour": 5, "minute": 45, "second": 56}
